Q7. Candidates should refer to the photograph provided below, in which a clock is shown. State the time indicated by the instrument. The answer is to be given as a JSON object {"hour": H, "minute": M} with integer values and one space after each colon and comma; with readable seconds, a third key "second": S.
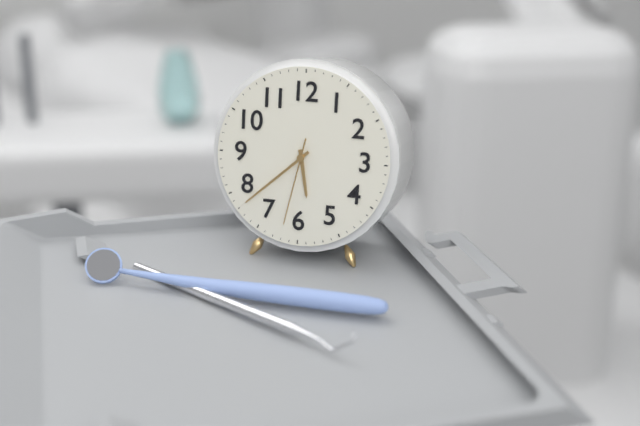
{"hour": 5, "minute": 38, "second": 32}
